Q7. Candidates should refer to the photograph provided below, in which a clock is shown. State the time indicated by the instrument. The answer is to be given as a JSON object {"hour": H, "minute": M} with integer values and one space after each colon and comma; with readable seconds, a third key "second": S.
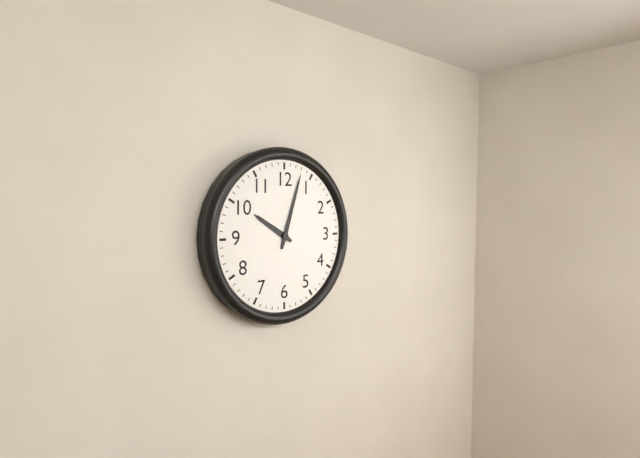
{"hour": 10, "minute": 3}
